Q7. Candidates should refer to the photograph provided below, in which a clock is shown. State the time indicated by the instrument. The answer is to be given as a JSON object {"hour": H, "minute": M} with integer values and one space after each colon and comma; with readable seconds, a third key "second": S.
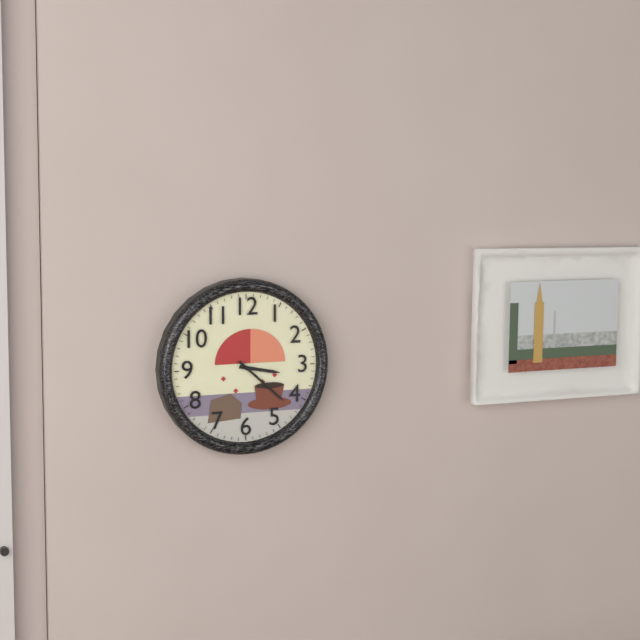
{"hour": 3, "minute": 22}
